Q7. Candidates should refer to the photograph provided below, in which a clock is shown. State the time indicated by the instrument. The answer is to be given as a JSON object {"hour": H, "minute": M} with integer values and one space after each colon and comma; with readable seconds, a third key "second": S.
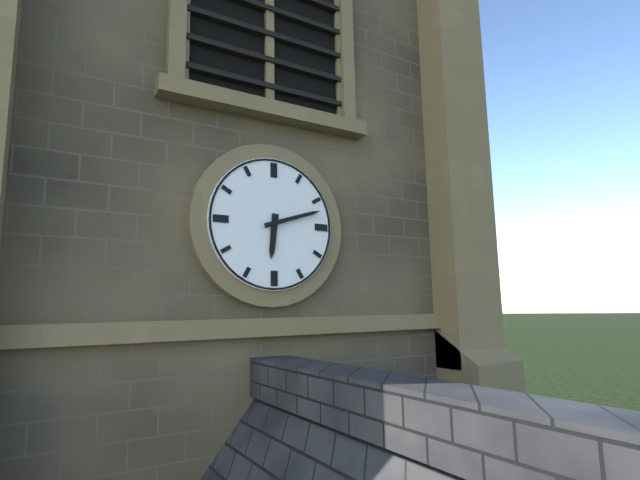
{"hour": 6, "minute": 12}
